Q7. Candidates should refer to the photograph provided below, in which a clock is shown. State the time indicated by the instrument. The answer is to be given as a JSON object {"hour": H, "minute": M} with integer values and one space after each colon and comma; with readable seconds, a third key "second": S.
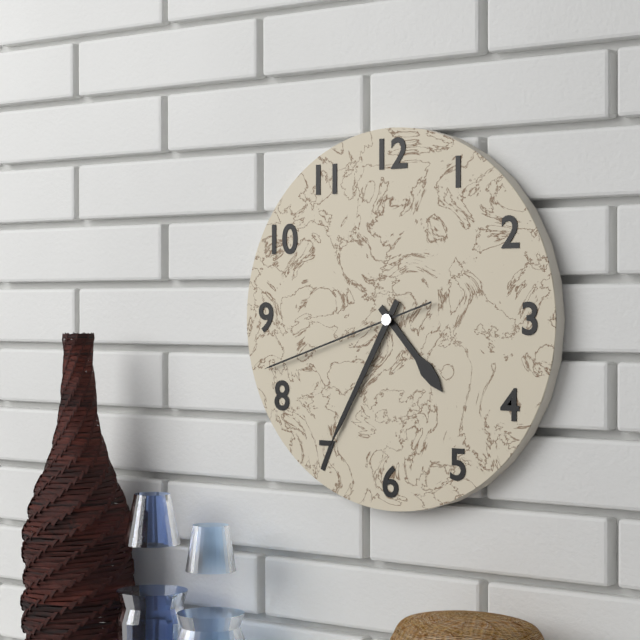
{"hour": 4, "minute": 35, "second": 42}
